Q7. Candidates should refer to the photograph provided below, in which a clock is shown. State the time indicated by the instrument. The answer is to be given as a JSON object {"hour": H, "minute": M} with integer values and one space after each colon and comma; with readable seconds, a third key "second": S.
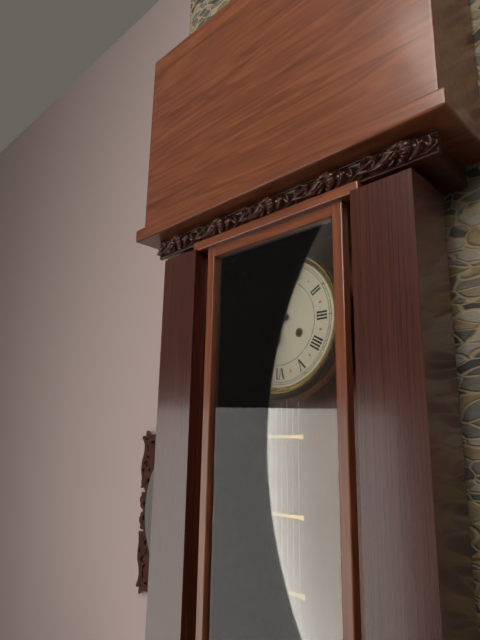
{"hour": 8, "minute": 1}
